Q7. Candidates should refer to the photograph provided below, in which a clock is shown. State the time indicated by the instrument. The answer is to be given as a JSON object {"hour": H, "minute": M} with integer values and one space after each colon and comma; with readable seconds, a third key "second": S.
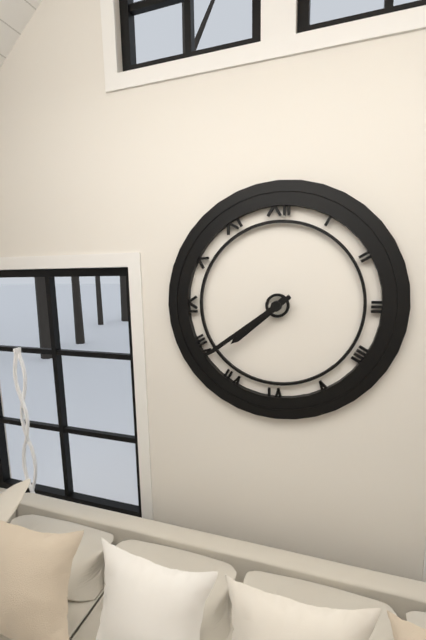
{"hour": 7, "minute": 39}
